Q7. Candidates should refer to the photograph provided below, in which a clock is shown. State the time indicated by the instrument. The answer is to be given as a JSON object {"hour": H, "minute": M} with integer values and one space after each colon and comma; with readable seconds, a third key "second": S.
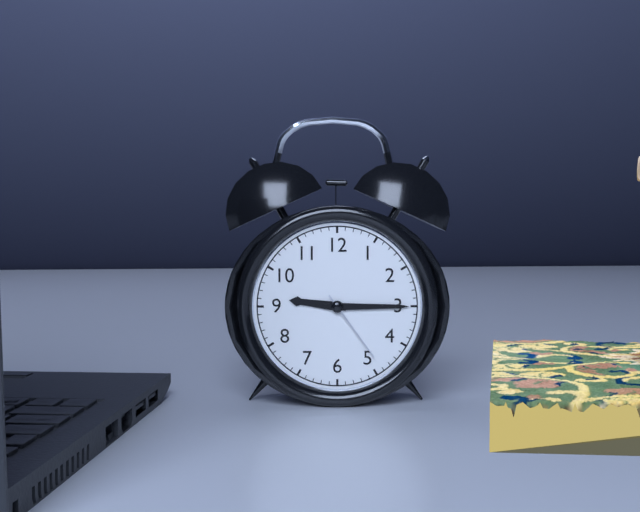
{"hour": 9, "minute": 15, "second": 24}
